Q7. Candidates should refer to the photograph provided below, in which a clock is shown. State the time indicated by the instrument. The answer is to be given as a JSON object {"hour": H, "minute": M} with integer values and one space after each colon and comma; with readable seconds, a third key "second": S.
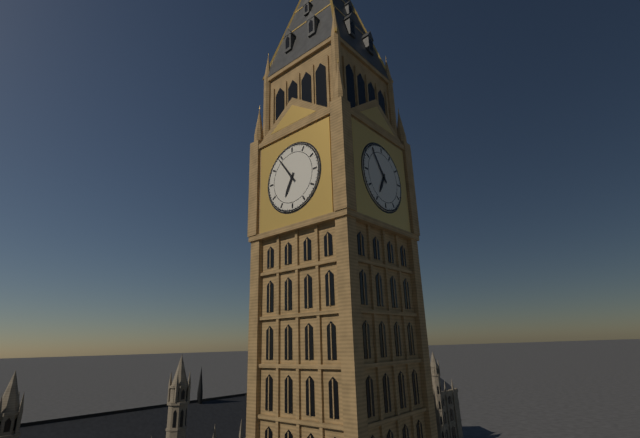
{"hour": 6, "minute": 54}
